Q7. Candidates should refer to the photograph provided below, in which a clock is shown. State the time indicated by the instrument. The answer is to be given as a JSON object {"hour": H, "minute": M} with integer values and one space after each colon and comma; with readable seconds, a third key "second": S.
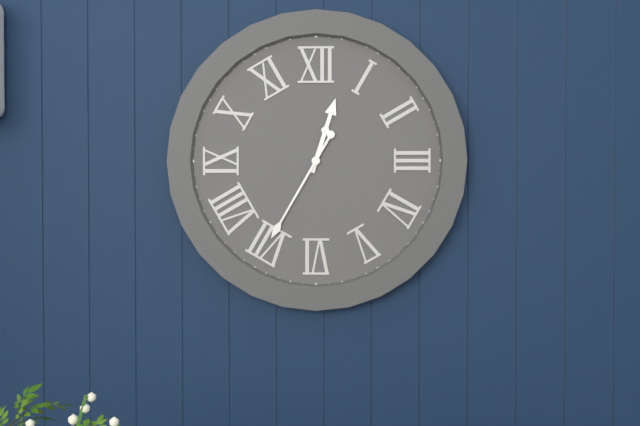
{"hour": 12, "minute": 35}
